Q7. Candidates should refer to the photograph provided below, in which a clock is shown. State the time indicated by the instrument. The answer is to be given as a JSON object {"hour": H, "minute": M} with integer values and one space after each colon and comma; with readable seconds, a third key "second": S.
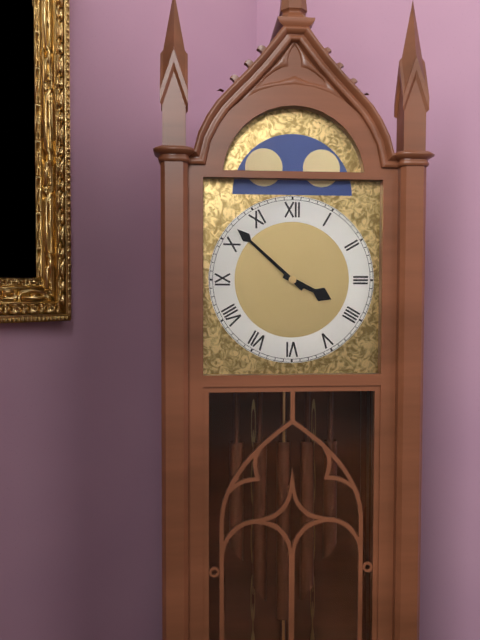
{"hour": 3, "minute": 52}
